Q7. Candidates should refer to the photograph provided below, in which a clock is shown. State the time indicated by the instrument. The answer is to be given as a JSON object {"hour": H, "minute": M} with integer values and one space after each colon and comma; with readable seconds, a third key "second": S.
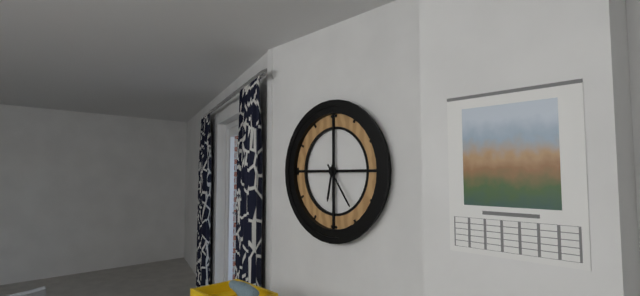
{"hour": 6, "minute": 24}
